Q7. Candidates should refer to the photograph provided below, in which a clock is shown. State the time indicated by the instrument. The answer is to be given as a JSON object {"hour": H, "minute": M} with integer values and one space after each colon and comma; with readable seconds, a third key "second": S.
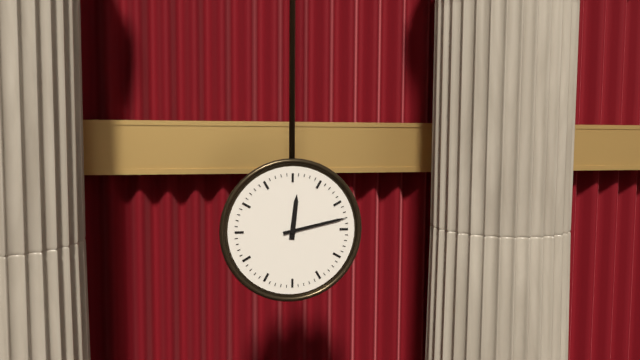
{"hour": 12, "minute": 13}
